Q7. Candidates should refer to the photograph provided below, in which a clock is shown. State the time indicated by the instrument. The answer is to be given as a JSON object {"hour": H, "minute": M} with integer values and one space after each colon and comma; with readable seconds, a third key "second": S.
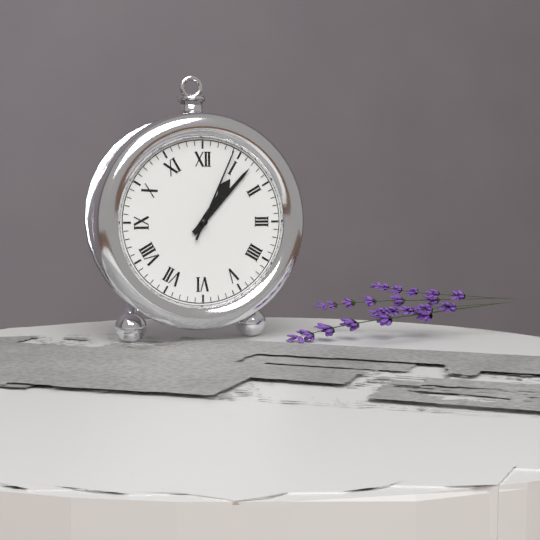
{"hour": 1, "minute": 7, "second": 4}
